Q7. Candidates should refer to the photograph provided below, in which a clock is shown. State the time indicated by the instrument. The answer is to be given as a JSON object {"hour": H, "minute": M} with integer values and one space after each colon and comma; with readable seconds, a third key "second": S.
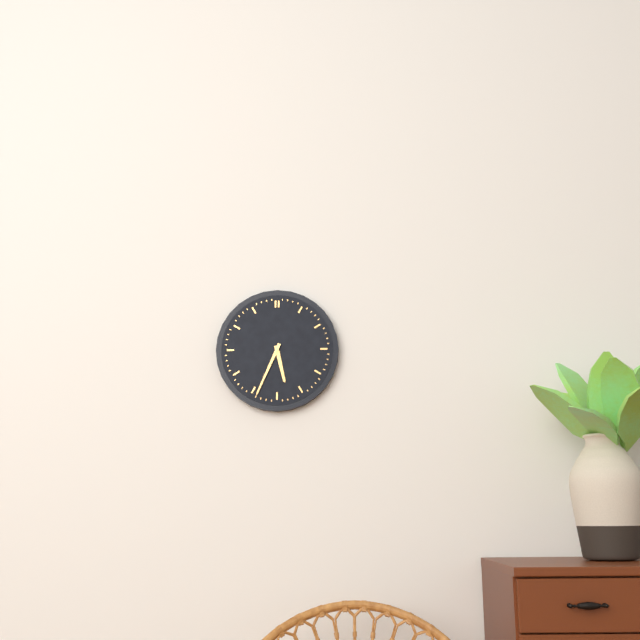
{"hour": 5, "minute": 34}
